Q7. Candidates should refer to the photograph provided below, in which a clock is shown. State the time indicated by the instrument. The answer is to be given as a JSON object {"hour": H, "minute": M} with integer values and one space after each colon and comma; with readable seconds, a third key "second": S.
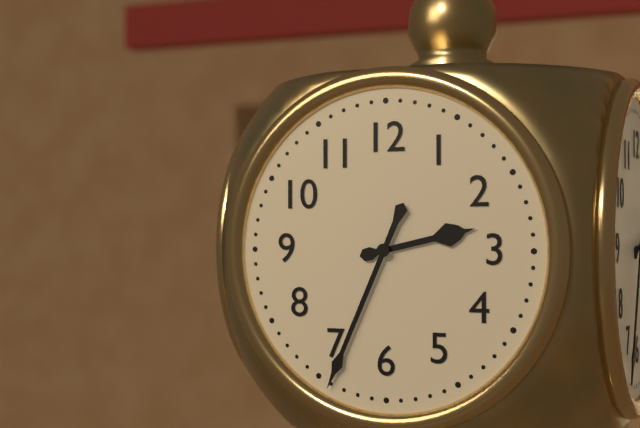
{"hour": 2, "minute": 34}
